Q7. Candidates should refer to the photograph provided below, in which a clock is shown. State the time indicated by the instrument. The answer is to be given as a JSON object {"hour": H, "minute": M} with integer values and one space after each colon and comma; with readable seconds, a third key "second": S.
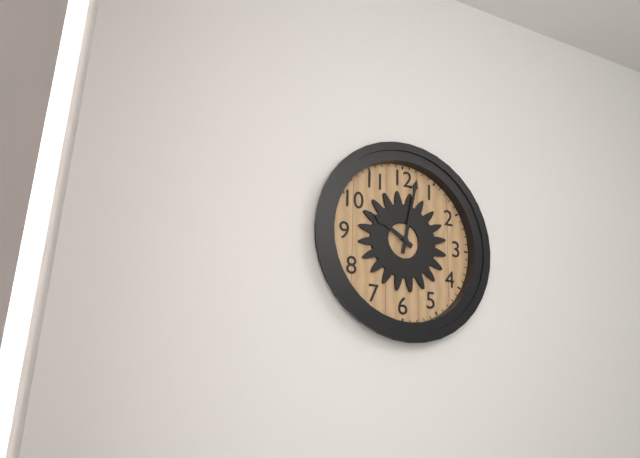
{"hour": 10, "minute": 2}
